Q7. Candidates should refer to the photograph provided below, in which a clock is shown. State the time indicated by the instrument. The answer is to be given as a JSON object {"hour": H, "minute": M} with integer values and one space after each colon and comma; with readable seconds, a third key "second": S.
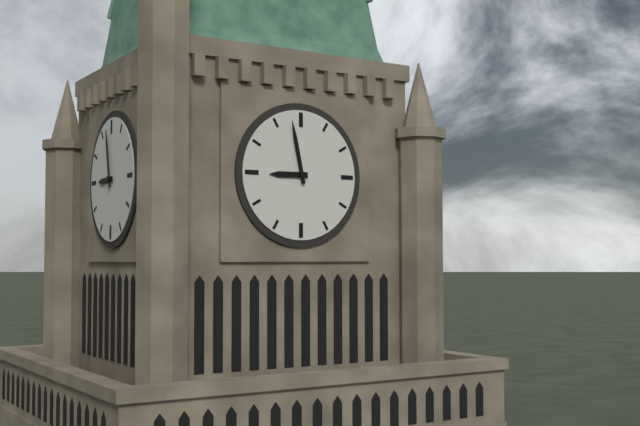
{"hour": 8, "minute": 58}
